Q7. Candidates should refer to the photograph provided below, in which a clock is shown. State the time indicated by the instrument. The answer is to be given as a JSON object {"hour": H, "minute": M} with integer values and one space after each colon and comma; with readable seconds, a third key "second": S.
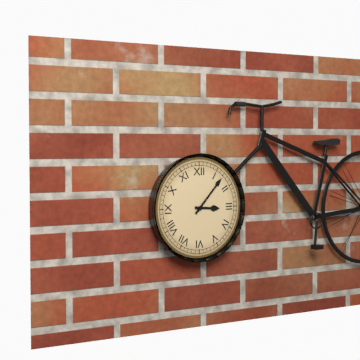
{"hour": 3, "minute": 7}
